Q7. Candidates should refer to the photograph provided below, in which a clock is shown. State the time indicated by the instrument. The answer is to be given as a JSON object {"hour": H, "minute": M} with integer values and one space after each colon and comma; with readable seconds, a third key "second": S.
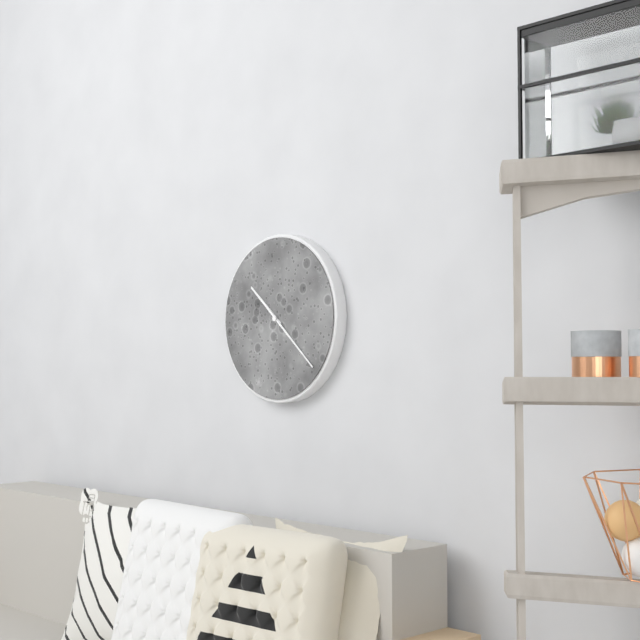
{"hour": 10, "minute": 22}
